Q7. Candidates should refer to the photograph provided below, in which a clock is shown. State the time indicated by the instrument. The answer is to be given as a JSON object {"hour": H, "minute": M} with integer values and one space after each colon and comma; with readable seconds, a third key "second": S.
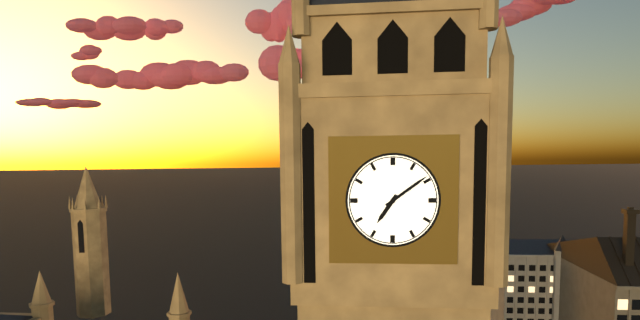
{"hour": 7, "minute": 9}
